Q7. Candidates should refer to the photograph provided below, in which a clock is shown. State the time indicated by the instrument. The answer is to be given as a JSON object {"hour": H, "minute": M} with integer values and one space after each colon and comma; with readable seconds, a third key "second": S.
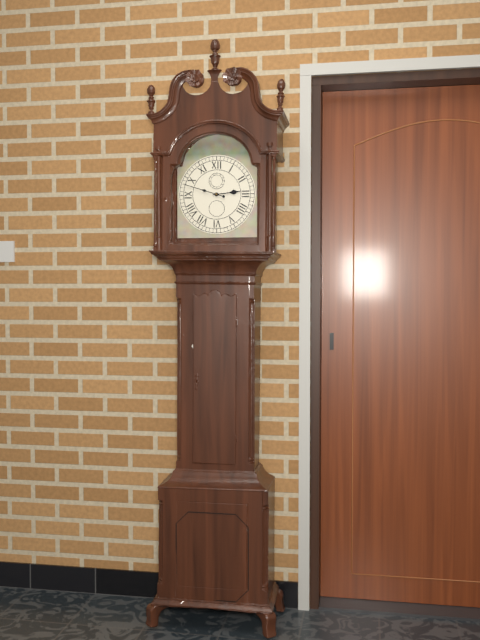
{"hour": 2, "minute": 48}
